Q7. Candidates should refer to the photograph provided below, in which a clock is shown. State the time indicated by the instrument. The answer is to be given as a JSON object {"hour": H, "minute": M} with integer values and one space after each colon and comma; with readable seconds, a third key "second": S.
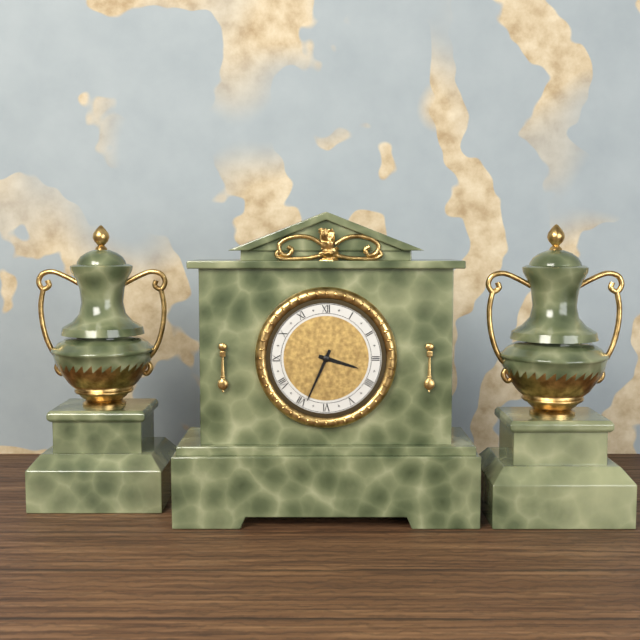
{"hour": 3, "minute": 34}
